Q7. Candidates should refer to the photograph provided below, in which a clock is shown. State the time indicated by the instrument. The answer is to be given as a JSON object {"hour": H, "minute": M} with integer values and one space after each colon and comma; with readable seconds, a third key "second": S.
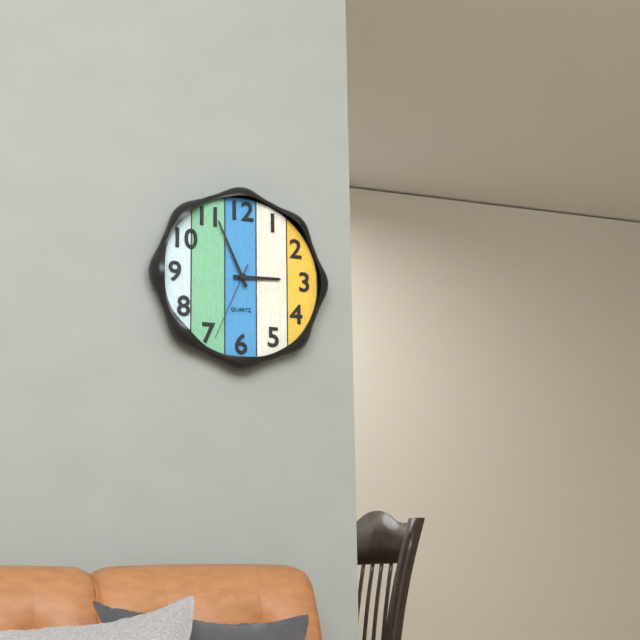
{"hour": 2, "minute": 56, "second": 34}
